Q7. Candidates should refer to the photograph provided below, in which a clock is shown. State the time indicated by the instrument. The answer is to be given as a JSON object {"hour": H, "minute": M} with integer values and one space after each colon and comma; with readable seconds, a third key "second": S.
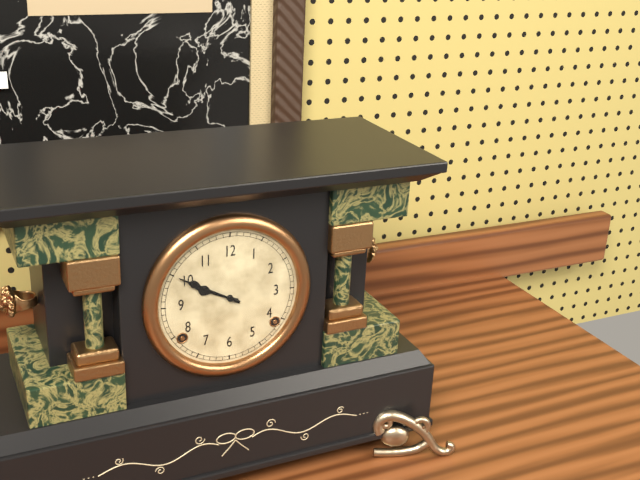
{"hour": 9, "minute": 50}
